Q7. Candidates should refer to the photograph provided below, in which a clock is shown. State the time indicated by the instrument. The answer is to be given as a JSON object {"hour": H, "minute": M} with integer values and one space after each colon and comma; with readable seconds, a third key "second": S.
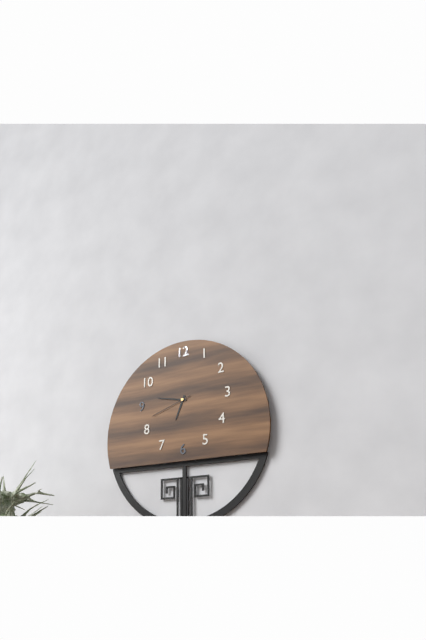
{"hour": 6, "minute": 47}
